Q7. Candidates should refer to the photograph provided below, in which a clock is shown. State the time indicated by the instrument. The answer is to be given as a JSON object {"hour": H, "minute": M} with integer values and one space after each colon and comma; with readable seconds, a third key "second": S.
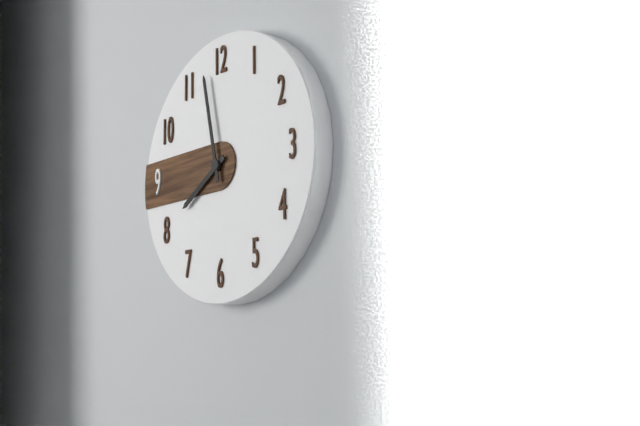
{"hour": 7, "minute": 58}
